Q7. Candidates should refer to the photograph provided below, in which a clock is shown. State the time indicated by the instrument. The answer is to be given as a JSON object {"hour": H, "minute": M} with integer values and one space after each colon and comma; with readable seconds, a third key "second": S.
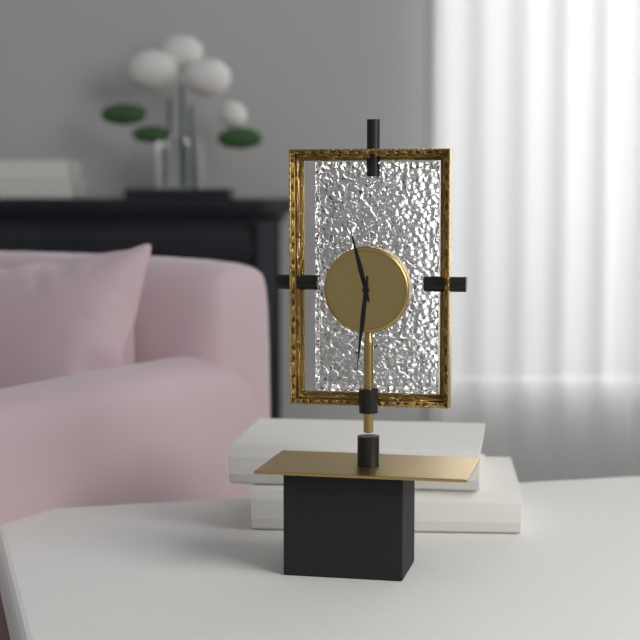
{"hour": 11, "minute": 31}
